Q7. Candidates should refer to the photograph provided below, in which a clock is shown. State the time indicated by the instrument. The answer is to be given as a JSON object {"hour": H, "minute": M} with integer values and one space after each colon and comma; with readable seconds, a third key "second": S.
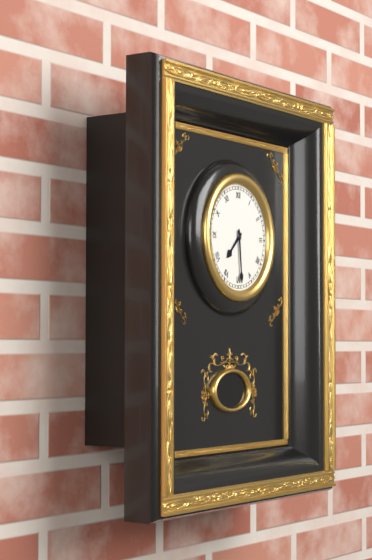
{"hour": 7, "minute": 29}
